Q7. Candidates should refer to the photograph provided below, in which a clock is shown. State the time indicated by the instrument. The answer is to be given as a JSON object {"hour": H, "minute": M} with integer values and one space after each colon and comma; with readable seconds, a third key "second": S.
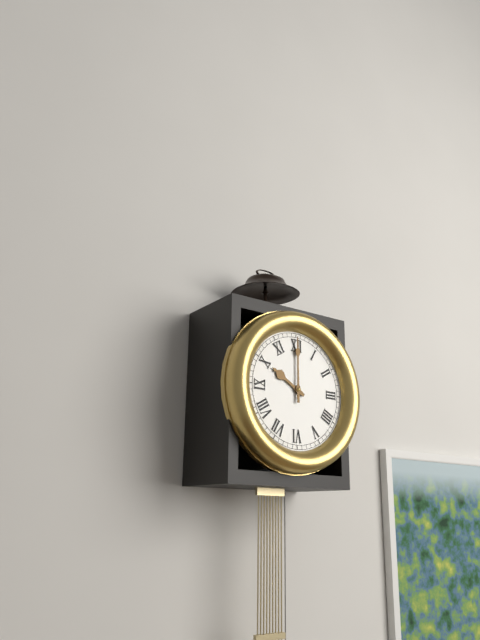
{"hour": 10, "minute": 0}
